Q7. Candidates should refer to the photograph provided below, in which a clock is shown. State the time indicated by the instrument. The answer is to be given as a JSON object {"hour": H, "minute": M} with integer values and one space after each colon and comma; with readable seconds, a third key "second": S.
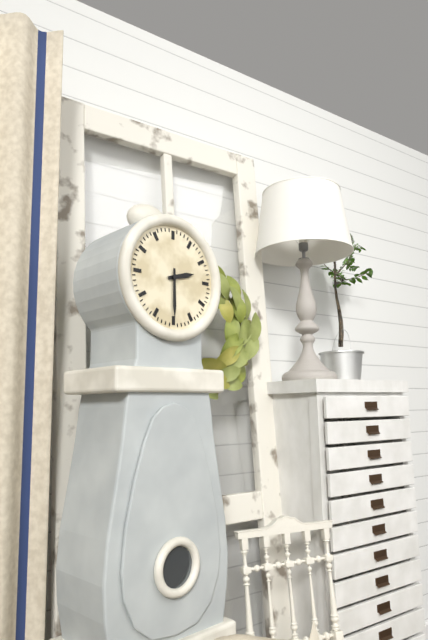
{"hour": 2, "minute": 30}
